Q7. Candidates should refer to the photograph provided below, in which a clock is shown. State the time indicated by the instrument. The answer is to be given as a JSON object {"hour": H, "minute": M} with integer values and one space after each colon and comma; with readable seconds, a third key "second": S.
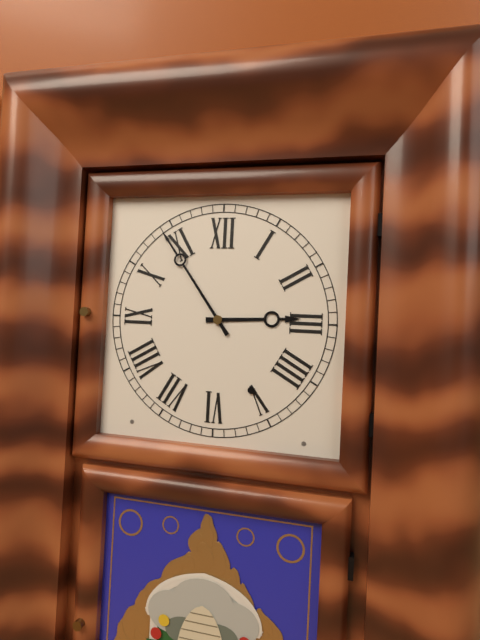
{"hour": 2, "minute": 54}
